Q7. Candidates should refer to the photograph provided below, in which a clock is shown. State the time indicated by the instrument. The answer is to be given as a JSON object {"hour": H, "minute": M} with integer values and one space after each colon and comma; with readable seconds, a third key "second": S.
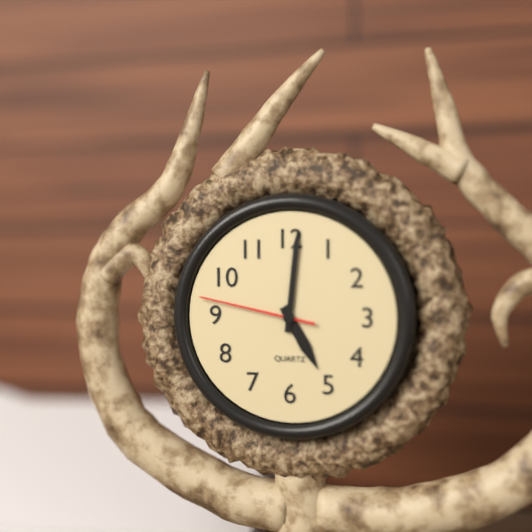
{"hour": 5, "minute": 1, "second": 47}
